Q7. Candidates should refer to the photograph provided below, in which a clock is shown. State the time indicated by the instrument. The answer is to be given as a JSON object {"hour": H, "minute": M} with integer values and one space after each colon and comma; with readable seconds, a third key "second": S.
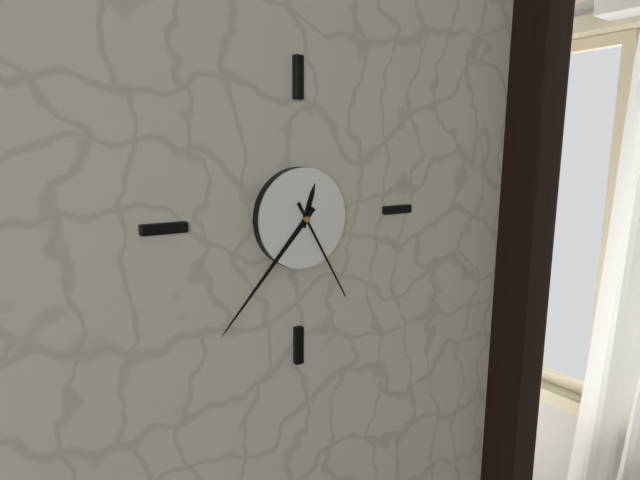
{"hour": 12, "minute": 37, "second": 25}
